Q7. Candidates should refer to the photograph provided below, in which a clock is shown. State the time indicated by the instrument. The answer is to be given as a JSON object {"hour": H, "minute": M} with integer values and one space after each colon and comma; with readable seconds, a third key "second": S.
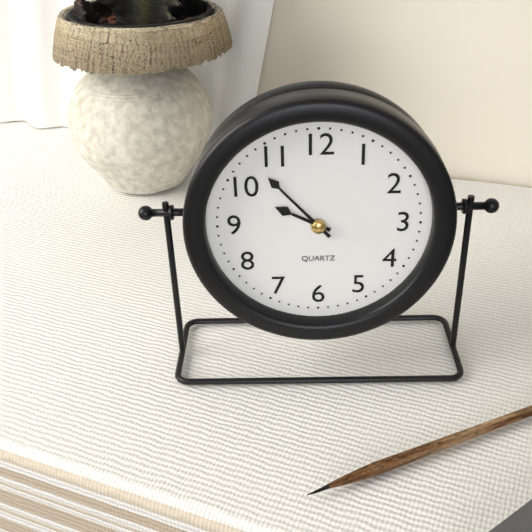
{"hour": 9, "minute": 53}
